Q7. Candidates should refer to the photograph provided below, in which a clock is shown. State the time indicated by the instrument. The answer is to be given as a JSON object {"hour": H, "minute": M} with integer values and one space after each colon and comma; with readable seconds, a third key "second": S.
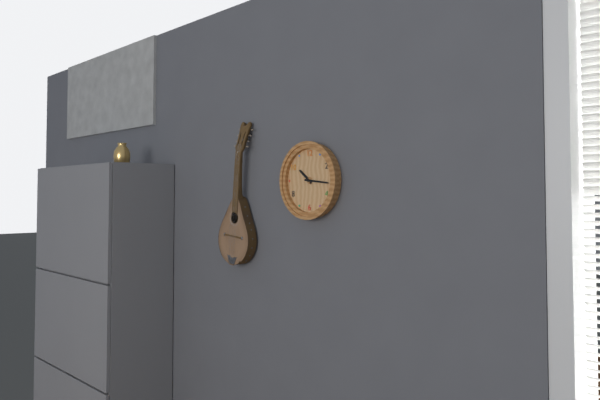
{"hour": 10, "minute": 16}
